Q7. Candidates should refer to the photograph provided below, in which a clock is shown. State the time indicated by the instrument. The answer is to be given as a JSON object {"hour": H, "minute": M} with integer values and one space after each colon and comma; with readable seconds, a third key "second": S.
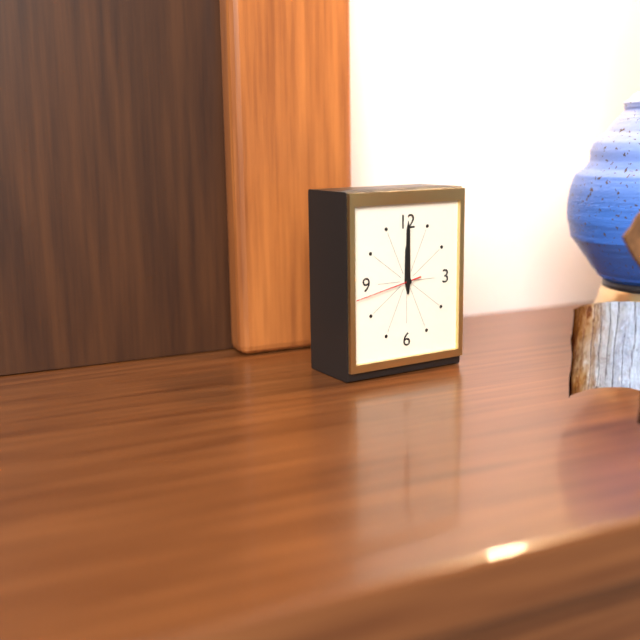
{"hour": 12, "minute": 0, "second": 43}
